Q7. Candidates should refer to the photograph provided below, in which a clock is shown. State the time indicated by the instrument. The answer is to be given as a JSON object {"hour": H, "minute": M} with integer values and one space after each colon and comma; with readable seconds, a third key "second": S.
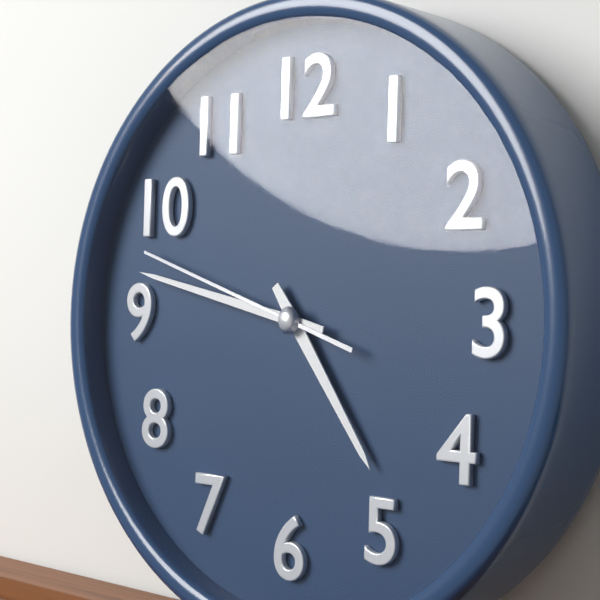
{"hour": 4, "minute": 47, "second": 48}
